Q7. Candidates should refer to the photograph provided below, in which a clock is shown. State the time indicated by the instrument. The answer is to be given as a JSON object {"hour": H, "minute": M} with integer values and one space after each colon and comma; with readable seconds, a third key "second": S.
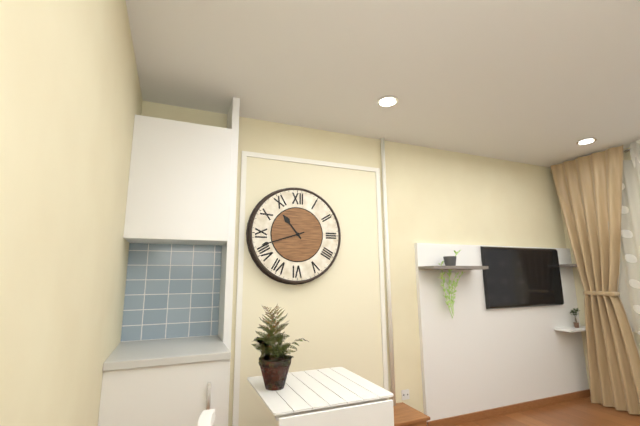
{"hour": 10, "minute": 42}
